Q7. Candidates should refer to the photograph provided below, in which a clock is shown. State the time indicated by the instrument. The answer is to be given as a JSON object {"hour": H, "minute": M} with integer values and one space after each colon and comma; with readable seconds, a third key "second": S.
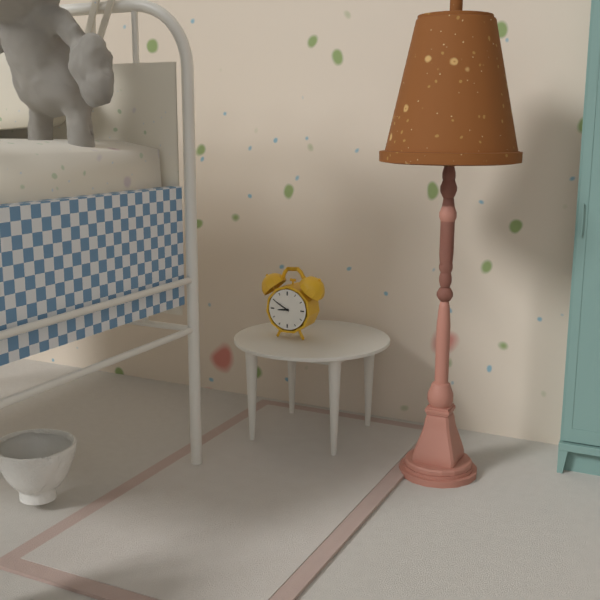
{"hour": 8, "minute": 50}
